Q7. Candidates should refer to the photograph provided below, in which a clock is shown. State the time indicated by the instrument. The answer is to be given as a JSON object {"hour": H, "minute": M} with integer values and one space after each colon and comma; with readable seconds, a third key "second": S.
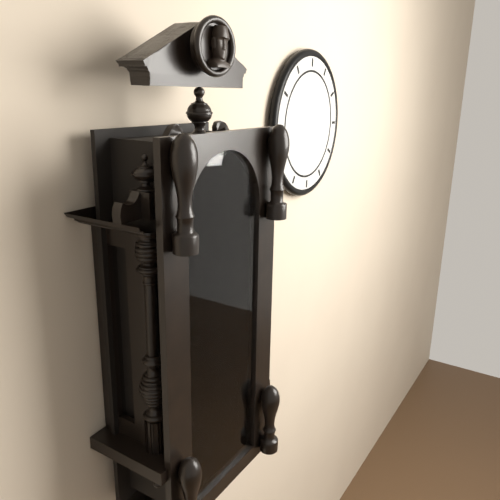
{"hour": 1, "minute": 29}
